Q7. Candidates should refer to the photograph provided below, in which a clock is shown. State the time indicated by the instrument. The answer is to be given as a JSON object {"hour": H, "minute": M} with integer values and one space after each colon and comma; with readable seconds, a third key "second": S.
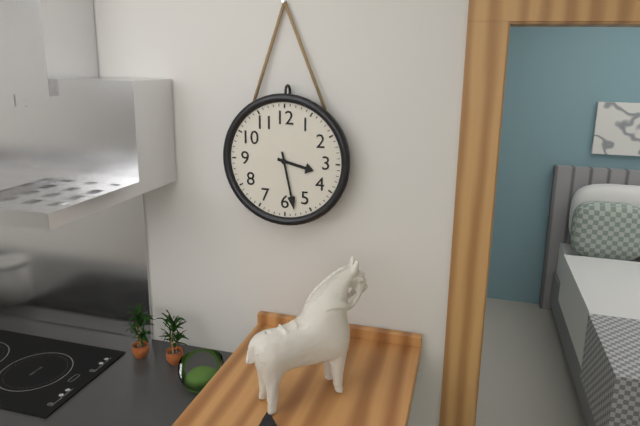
{"hour": 3, "minute": 28}
